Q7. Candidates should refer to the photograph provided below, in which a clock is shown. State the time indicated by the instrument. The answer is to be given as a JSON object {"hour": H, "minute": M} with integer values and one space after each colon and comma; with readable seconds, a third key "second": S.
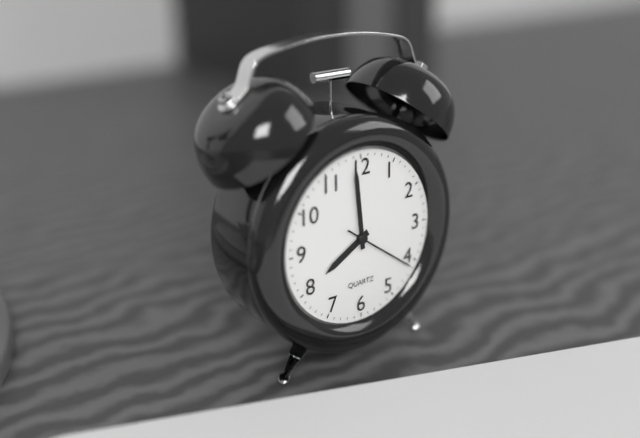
{"hour": 7, "minute": 59, "second": 21}
